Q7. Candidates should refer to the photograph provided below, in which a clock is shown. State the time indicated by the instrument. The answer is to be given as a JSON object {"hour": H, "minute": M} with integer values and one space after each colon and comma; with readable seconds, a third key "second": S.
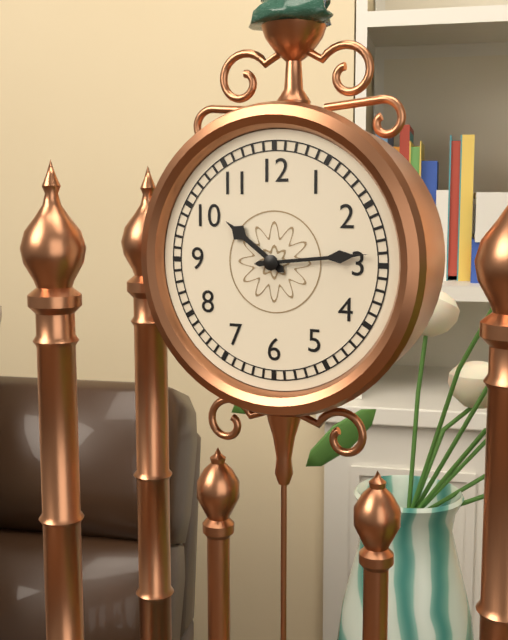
{"hour": 10, "minute": 14}
